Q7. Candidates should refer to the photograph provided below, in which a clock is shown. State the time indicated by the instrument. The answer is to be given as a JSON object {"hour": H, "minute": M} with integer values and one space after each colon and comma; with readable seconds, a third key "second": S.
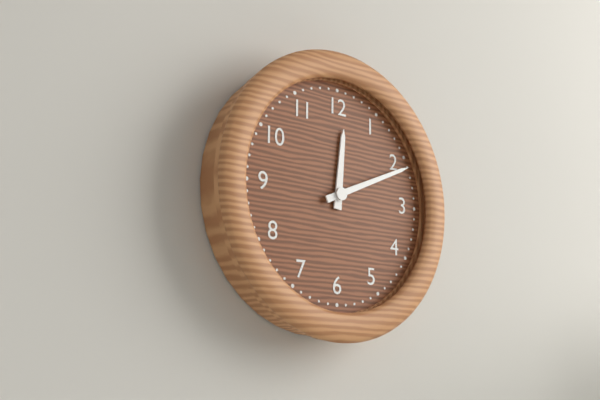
{"hour": 12, "minute": 11}
